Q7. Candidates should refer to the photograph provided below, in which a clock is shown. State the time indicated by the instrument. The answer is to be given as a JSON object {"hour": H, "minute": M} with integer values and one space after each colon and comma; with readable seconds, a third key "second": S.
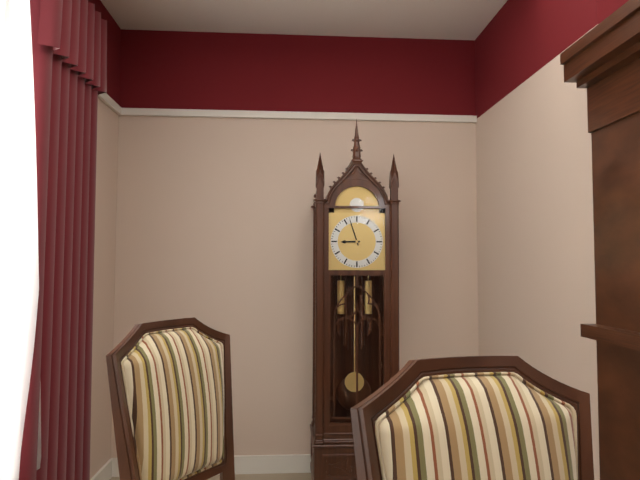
{"hour": 8, "minute": 57}
